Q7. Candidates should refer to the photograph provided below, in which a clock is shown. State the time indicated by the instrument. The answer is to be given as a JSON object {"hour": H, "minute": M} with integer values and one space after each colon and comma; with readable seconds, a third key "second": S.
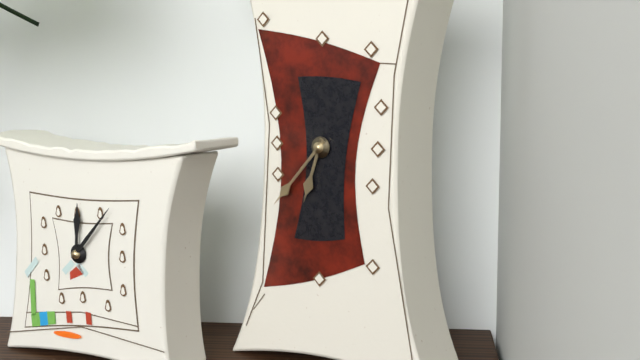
{"hour": 6, "minute": 37}
